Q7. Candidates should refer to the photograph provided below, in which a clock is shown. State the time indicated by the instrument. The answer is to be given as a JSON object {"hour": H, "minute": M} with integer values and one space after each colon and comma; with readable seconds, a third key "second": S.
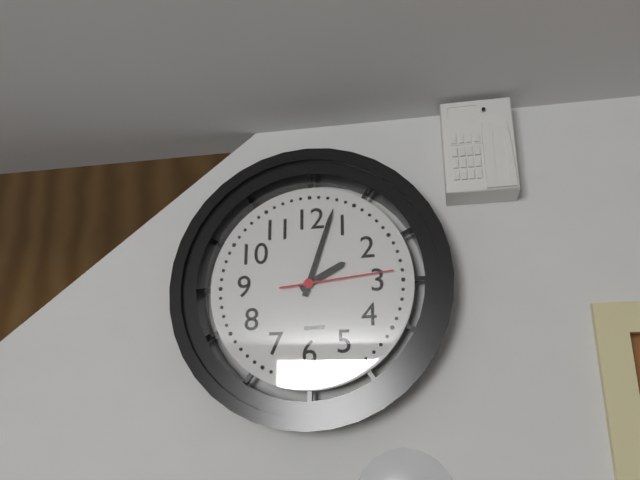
{"hour": 2, "minute": 3, "second": 14}
